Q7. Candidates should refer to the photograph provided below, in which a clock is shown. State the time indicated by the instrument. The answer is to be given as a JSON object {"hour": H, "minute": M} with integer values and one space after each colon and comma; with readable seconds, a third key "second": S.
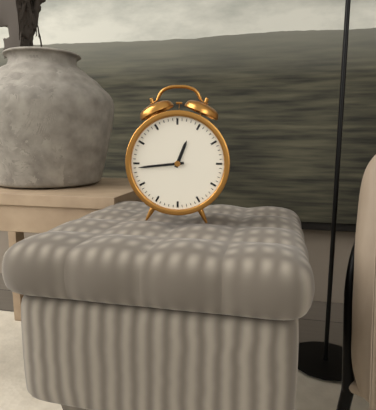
{"hour": 12, "minute": 44}
